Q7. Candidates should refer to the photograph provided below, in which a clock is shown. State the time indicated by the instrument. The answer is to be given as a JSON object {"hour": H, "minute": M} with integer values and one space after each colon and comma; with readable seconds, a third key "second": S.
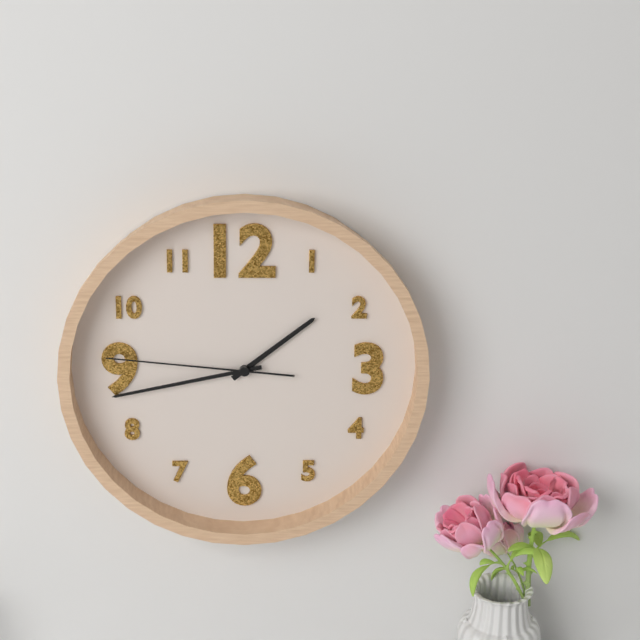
{"hour": 1, "minute": 43, "second": 46}
